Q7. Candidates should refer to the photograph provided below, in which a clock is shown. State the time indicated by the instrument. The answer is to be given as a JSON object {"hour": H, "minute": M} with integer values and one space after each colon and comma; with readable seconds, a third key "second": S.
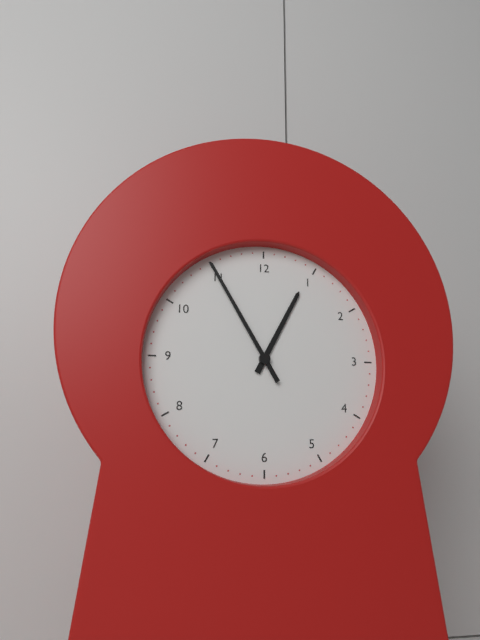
{"hour": 12, "minute": 55}
